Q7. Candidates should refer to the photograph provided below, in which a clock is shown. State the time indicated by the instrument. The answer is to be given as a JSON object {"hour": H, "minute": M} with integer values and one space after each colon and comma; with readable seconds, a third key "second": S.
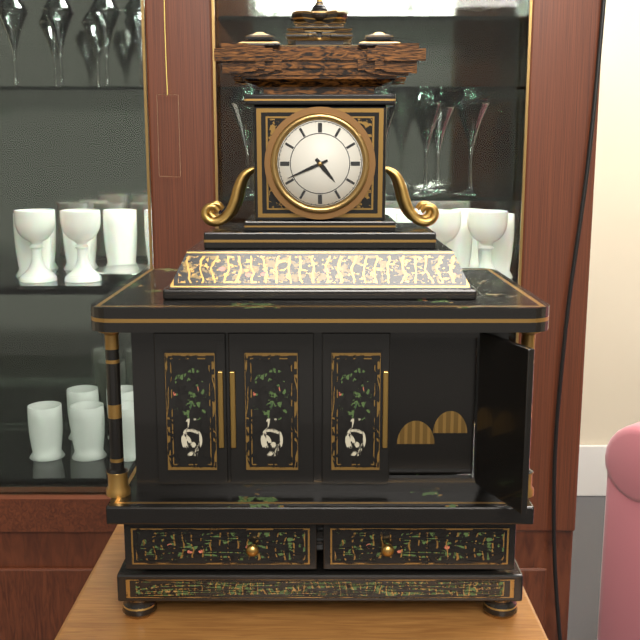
{"hour": 4, "minute": 41}
